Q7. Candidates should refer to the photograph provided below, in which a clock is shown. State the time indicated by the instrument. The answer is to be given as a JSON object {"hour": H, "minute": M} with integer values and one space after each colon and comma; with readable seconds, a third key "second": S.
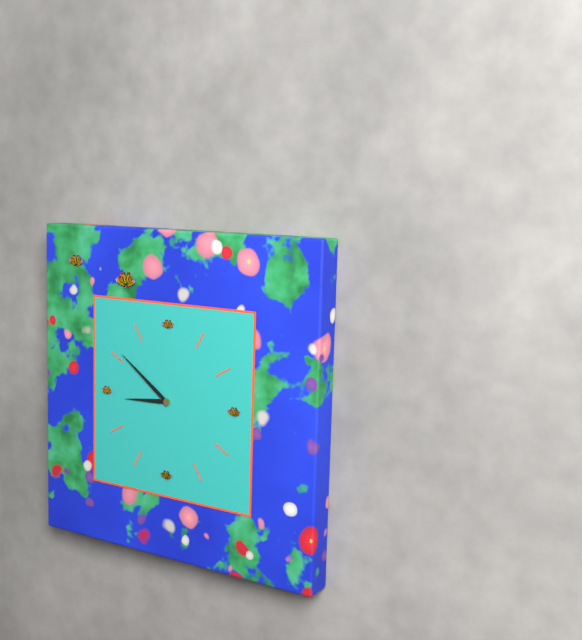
{"hour": 8, "minute": 51}
